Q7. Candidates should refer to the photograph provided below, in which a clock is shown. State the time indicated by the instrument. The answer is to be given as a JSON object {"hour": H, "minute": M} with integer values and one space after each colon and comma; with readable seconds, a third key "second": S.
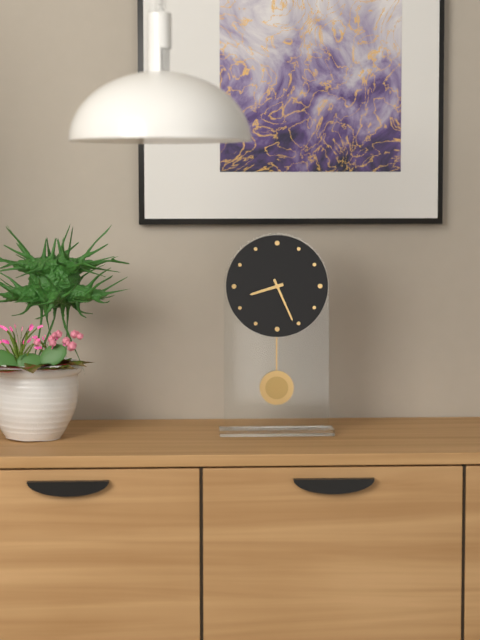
{"hour": 8, "minute": 26}
